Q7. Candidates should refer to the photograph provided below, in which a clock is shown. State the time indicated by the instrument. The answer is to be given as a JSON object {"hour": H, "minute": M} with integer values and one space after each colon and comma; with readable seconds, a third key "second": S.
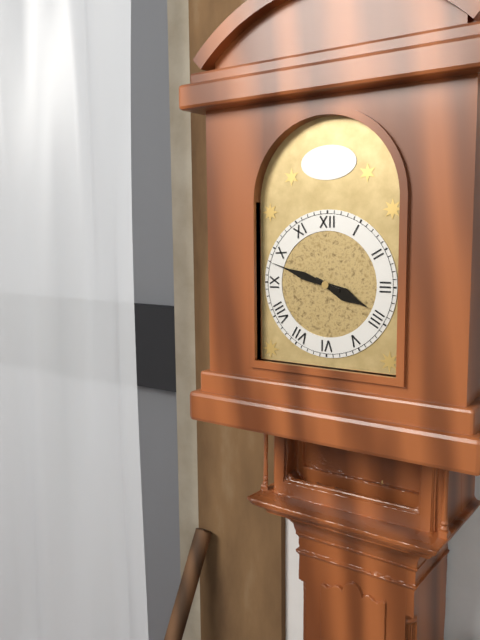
{"hour": 3, "minute": 48}
